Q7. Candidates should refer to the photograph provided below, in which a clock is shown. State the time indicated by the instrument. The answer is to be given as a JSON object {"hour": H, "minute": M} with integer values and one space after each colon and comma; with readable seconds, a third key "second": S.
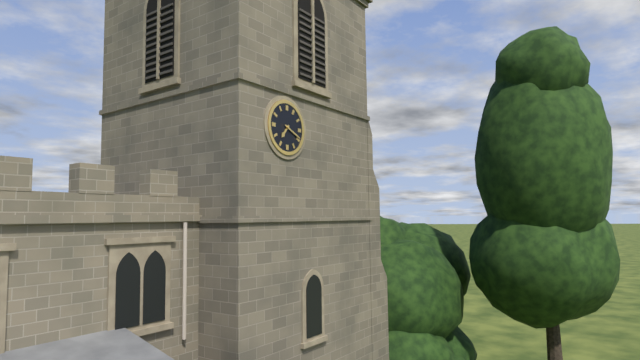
{"hour": 7, "minute": 19}
